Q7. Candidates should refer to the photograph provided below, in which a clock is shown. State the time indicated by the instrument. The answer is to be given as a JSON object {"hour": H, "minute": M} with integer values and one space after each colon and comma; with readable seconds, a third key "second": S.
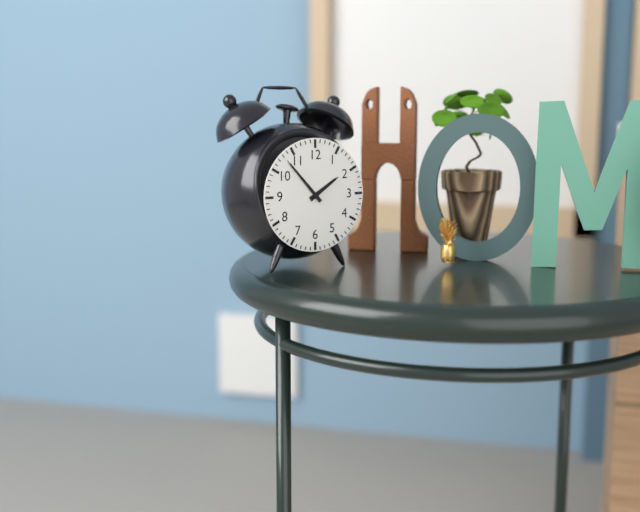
{"hour": 1, "minute": 53}
